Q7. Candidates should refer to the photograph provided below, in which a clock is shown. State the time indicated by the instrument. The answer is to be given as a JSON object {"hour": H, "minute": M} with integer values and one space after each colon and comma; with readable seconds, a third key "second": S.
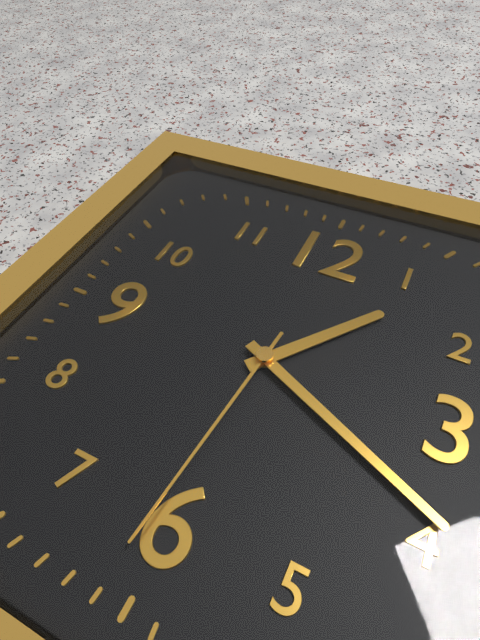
{"hour": 1, "minute": 19, "second": 31}
